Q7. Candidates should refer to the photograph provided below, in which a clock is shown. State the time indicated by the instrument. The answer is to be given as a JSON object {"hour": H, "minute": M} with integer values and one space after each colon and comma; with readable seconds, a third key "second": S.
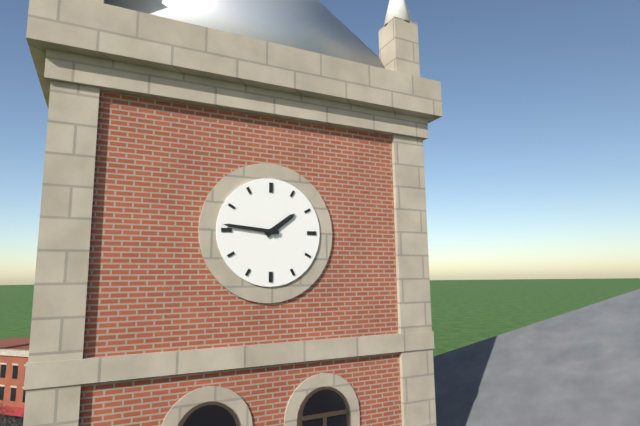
{"hour": 1, "minute": 46}
